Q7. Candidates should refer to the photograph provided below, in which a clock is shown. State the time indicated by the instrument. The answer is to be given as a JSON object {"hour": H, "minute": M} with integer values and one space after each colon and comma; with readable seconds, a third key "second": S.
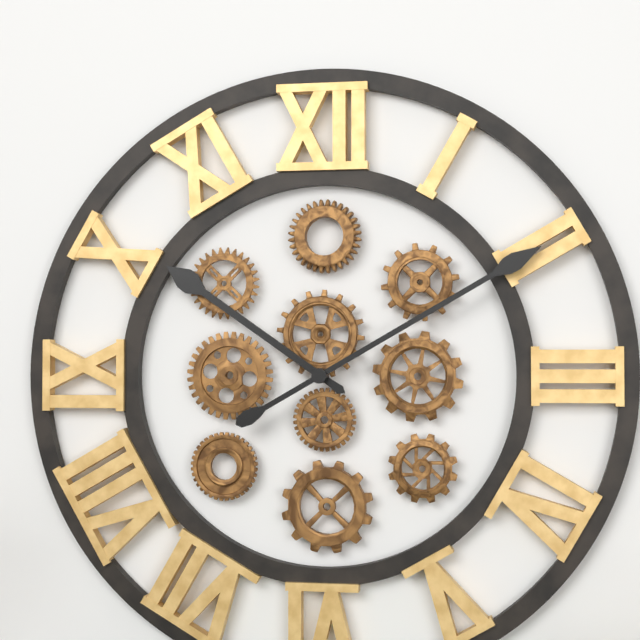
{"hour": 10, "minute": 10}
